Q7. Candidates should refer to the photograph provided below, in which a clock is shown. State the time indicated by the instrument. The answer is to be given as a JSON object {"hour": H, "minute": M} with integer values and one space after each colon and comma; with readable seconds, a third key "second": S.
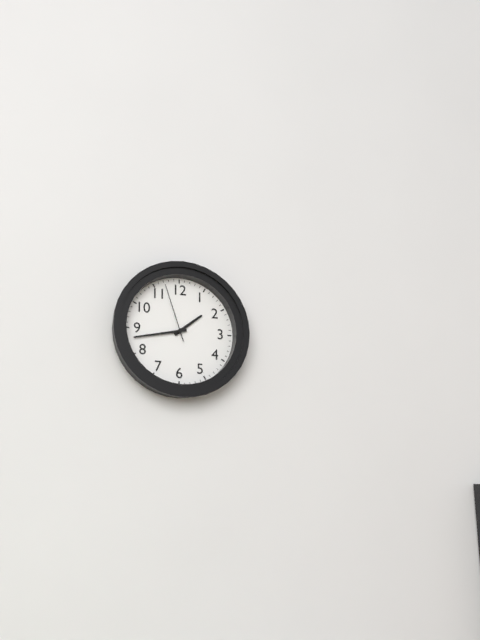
{"hour": 1, "minute": 43, "second": 57}
